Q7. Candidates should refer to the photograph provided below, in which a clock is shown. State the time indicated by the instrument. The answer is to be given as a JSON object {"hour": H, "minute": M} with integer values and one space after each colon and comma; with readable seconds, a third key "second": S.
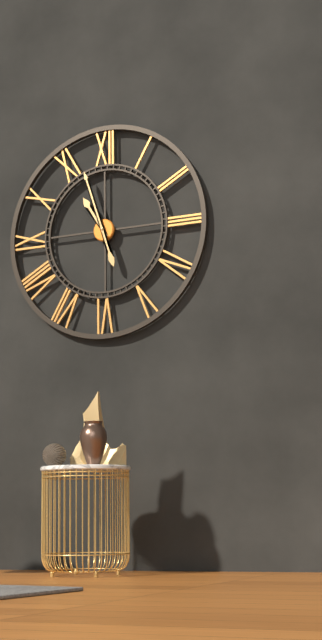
{"hour": 10, "minute": 57}
